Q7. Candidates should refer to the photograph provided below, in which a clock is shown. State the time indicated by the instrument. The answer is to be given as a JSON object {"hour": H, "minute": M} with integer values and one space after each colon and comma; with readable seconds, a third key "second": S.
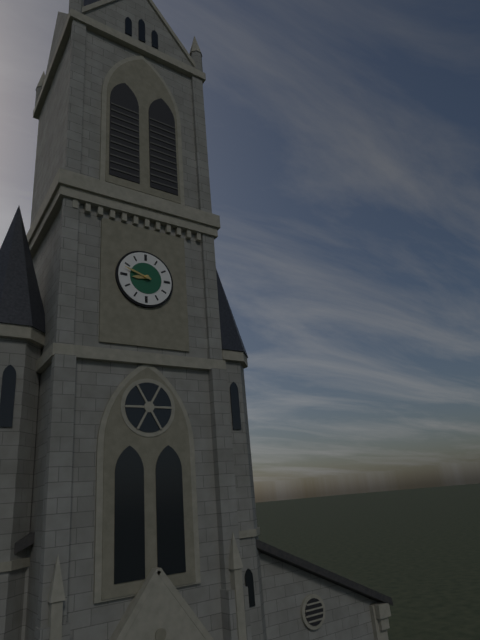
{"hour": 8, "minute": 48}
